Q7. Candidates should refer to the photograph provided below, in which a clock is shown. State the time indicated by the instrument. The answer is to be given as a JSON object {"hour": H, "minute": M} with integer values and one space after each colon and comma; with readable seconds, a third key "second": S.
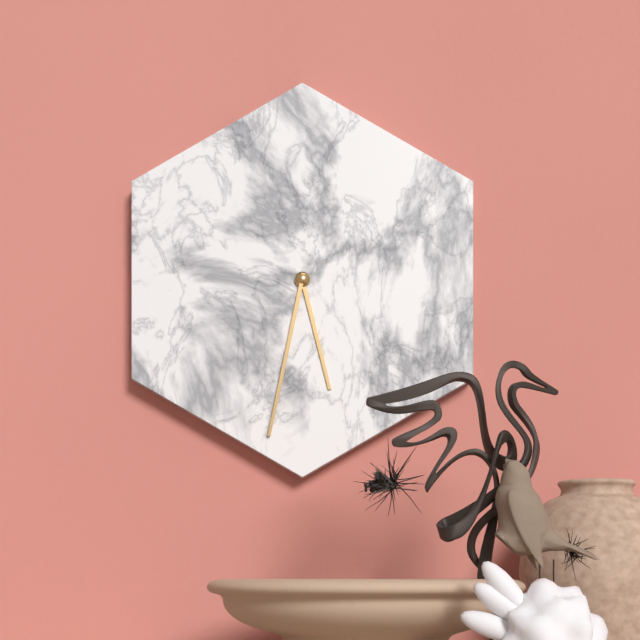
{"hour": 5, "minute": 32}
